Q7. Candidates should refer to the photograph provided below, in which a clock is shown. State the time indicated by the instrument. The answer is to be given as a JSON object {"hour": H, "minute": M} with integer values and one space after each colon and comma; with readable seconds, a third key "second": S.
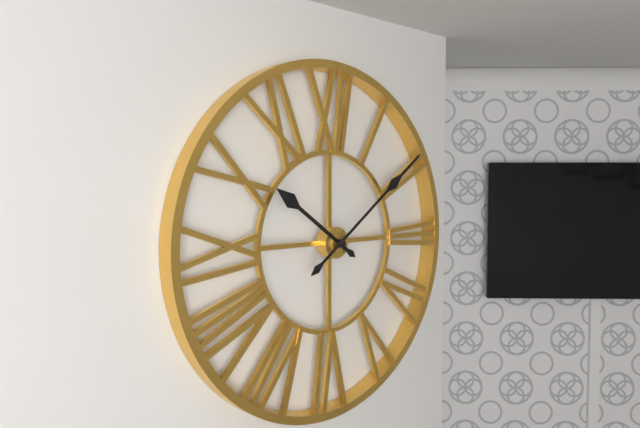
{"hour": 10, "minute": 9}
